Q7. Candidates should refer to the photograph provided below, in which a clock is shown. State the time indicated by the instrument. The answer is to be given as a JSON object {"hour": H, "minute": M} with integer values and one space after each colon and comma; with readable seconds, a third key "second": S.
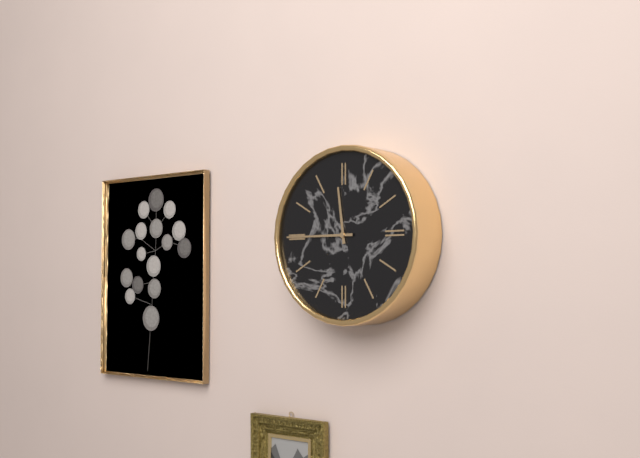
{"hour": 11, "minute": 45}
